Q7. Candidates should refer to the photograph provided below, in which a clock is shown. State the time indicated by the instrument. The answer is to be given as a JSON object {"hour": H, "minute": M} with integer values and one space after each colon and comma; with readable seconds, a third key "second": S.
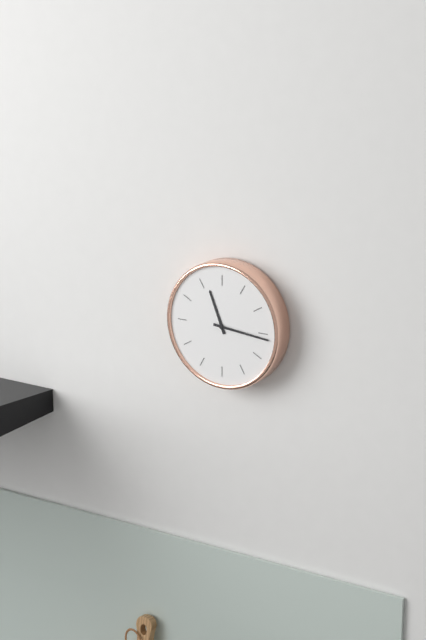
{"hour": 11, "minute": 16}
